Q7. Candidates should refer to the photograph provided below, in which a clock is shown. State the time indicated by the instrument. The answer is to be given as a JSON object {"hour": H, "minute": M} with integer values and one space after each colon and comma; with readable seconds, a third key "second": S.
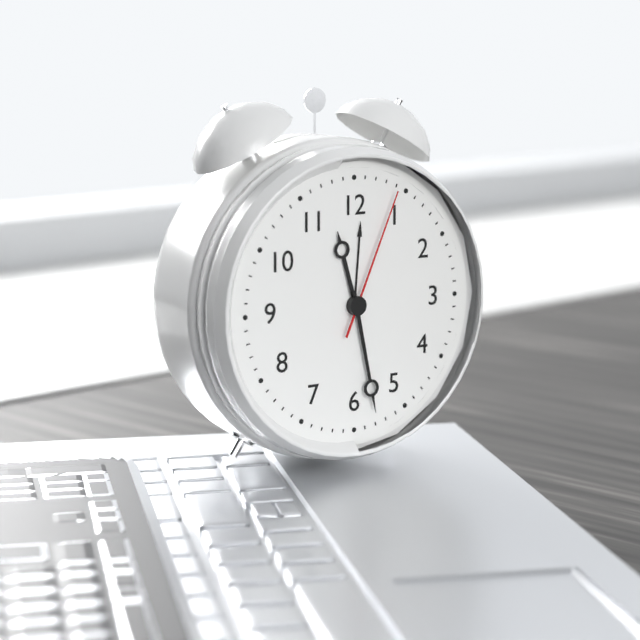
{"hour": 11, "minute": 28, "second": 4}
